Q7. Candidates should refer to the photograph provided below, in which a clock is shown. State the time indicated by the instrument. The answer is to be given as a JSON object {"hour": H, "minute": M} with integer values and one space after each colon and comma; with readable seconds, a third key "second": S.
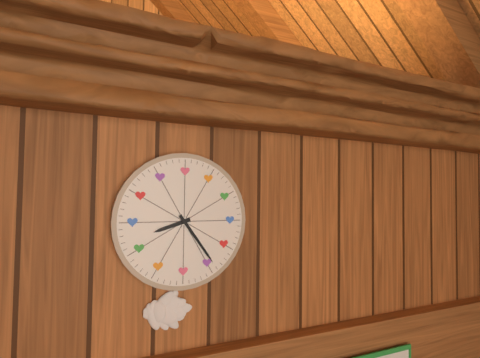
{"hour": 8, "minute": 24}
